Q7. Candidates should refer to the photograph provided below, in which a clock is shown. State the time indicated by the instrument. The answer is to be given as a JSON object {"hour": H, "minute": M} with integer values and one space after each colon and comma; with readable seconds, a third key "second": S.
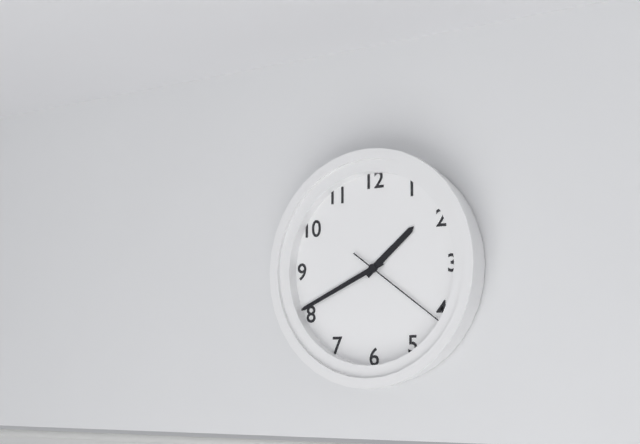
{"hour": 1, "minute": 41, "second": 21}
